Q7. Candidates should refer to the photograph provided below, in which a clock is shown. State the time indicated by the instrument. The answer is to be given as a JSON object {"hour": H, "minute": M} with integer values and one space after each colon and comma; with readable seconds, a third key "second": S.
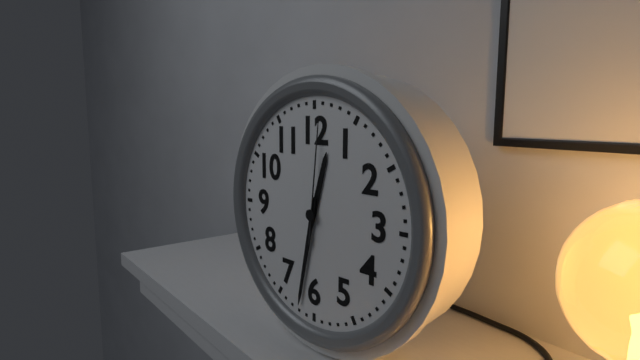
{"hour": 12, "minute": 32, "second": 1}
